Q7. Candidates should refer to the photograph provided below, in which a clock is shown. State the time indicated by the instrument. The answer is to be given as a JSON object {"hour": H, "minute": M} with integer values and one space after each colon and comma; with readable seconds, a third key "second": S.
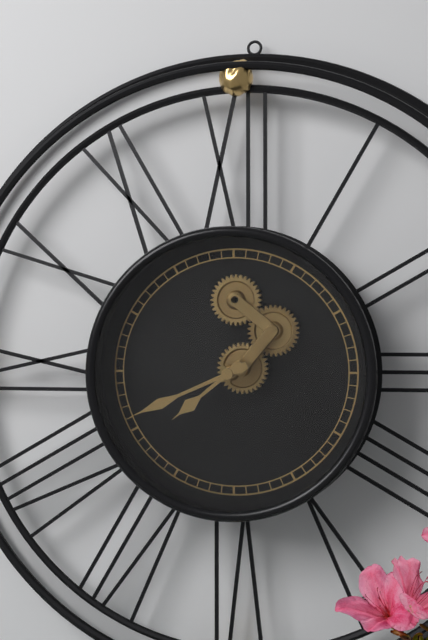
{"hour": 7, "minute": 41}
